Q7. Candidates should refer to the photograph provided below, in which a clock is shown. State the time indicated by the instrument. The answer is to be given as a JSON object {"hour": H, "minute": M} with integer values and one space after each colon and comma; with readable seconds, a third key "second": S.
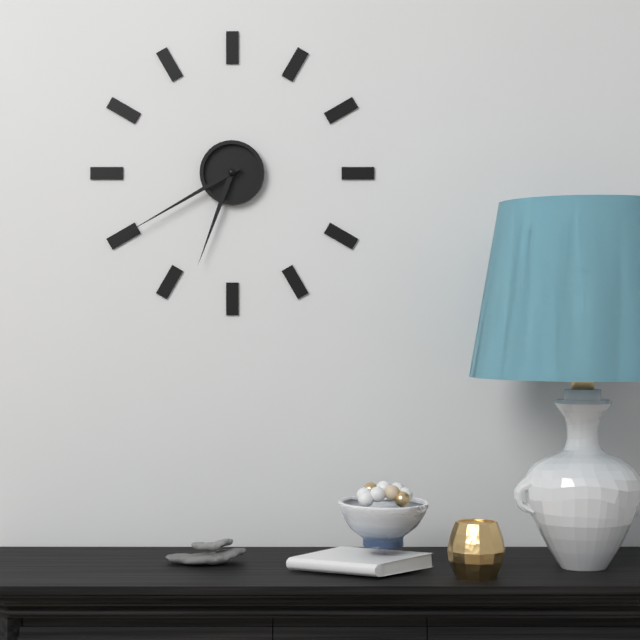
{"hour": 6, "minute": 40}
